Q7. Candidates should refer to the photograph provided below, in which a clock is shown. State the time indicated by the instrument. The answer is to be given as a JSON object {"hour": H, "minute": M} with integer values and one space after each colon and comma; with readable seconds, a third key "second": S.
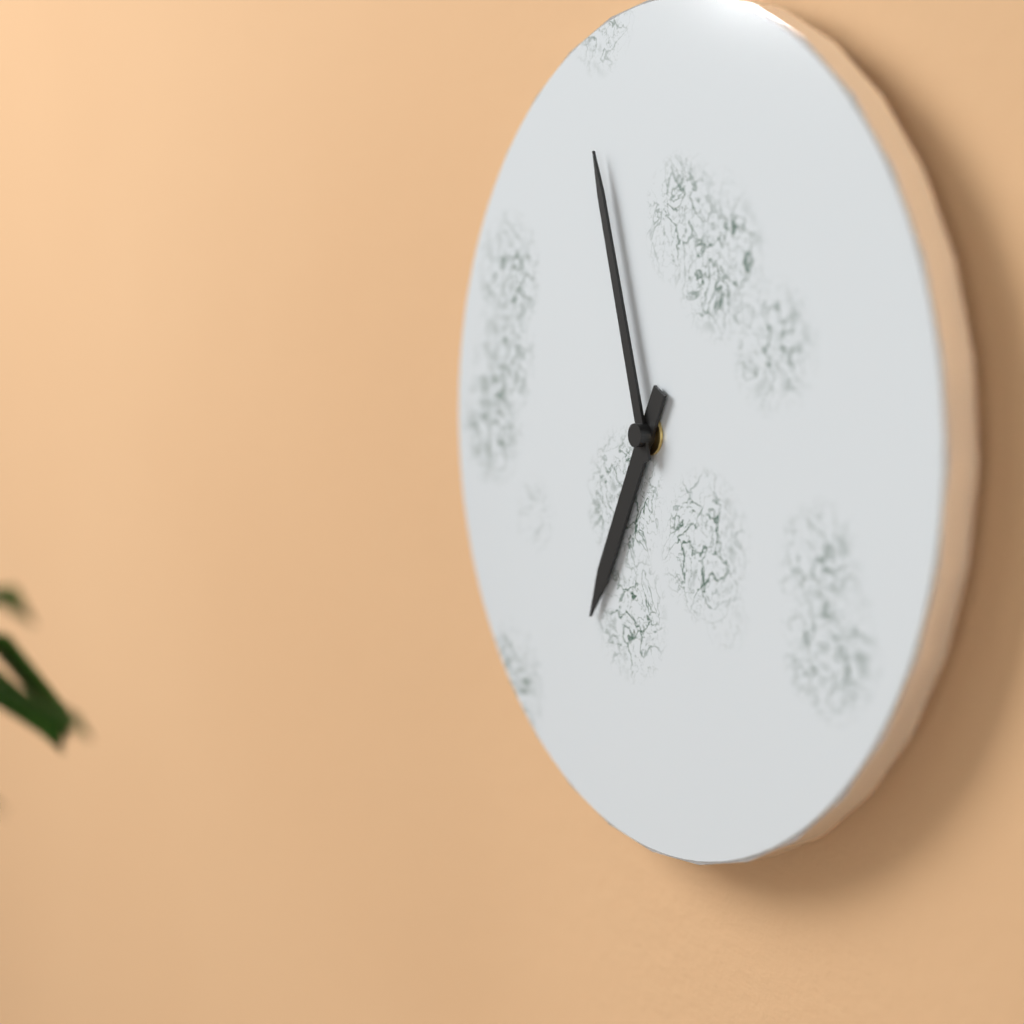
{"hour": 6, "minute": 57}
